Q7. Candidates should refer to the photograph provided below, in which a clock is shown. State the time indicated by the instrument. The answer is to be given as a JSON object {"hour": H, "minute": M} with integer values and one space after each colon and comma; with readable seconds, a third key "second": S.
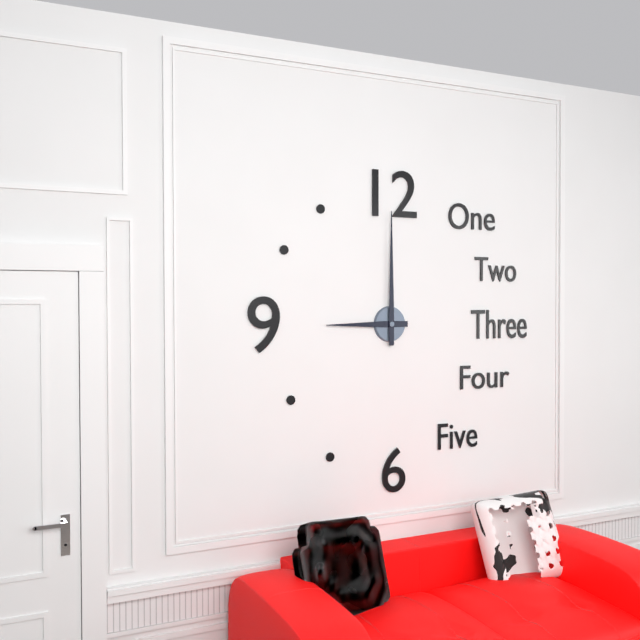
{"hour": 9, "minute": 0}
